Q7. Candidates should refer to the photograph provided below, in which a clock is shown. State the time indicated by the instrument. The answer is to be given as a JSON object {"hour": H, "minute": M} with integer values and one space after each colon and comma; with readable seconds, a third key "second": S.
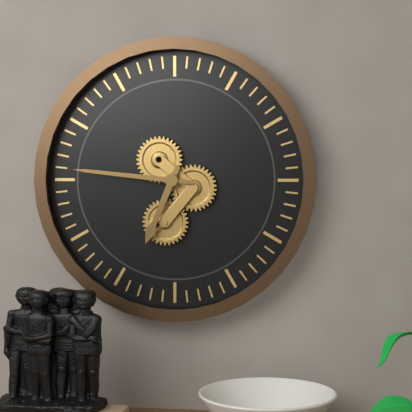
{"hour": 6, "minute": 46}
